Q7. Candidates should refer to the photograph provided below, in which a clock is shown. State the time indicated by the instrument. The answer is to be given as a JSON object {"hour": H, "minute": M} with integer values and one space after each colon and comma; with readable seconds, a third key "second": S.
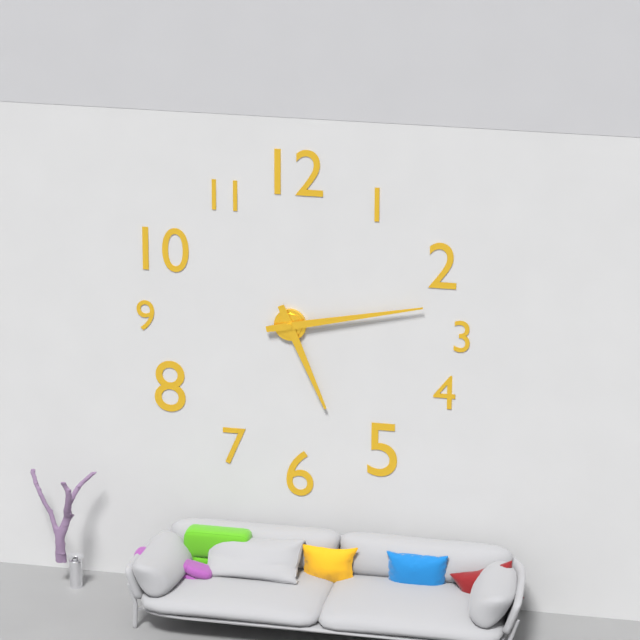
{"hour": 5, "minute": 13}
